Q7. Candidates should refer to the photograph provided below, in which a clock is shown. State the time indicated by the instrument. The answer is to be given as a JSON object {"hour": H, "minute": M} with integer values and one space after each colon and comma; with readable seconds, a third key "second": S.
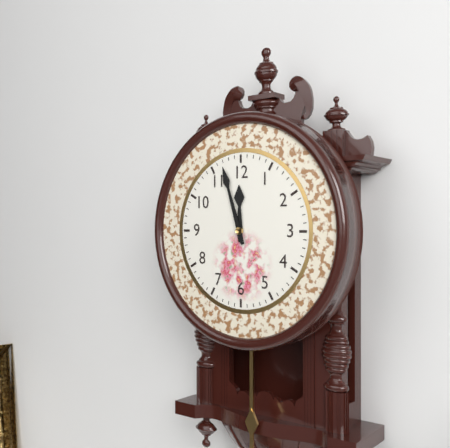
{"hour": 11, "minute": 57}
